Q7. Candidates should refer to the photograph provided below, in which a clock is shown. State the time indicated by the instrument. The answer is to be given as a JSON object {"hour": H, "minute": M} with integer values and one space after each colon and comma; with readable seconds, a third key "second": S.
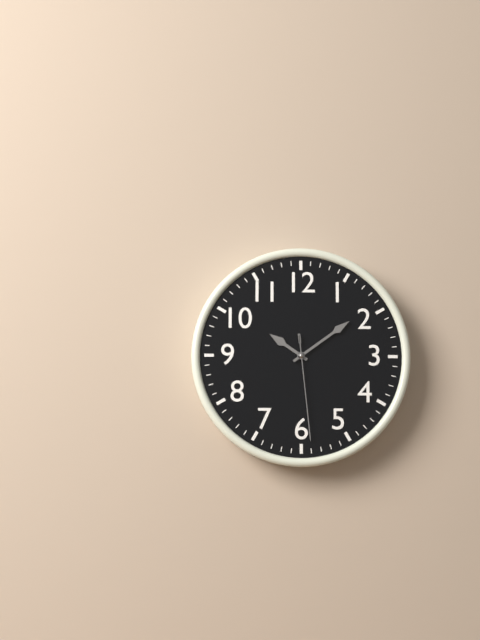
{"hour": 10, "minute": 9, "second": 29}
